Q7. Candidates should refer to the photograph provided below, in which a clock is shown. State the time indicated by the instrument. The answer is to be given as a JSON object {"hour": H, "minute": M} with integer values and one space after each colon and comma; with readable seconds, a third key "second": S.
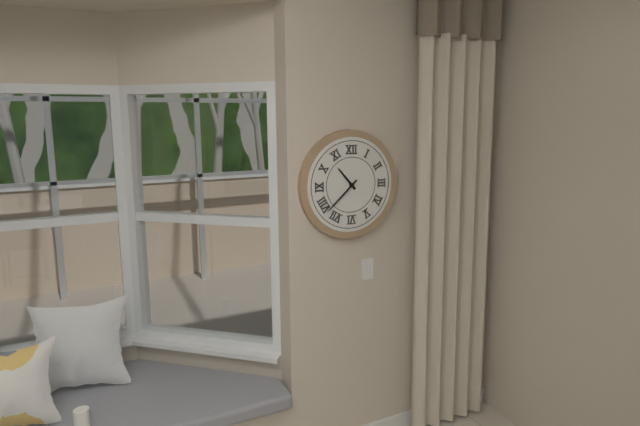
{"hour": 10, "minute": 38}
